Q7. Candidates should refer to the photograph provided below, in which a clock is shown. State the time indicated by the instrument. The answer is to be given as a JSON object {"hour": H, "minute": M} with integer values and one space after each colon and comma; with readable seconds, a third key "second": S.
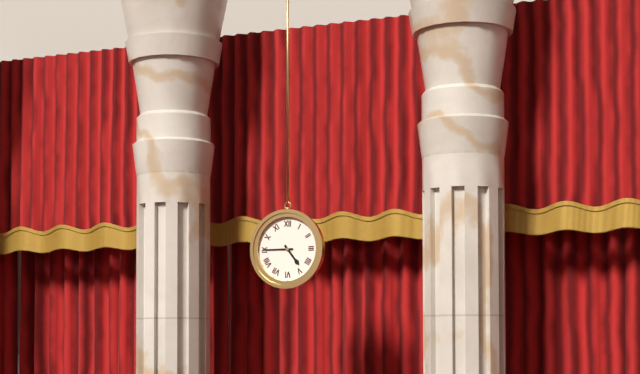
{"hour": 4, "minute": 45}
